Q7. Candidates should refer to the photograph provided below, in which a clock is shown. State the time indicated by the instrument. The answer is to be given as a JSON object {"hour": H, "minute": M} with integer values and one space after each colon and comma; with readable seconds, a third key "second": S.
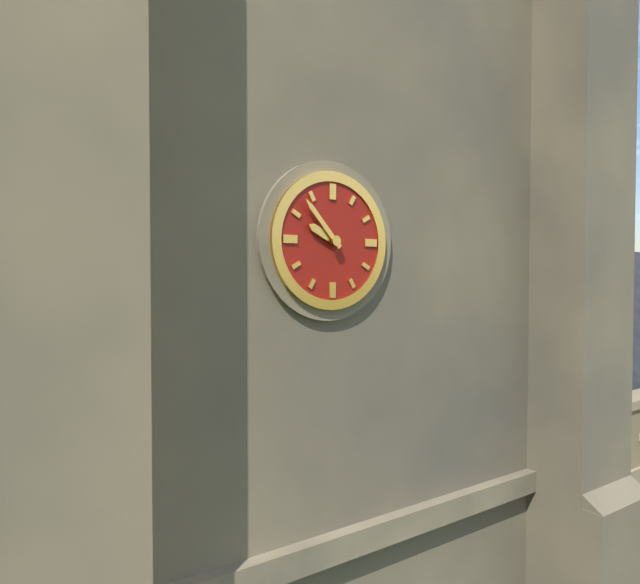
{"hour": 9, "minute": 53}
